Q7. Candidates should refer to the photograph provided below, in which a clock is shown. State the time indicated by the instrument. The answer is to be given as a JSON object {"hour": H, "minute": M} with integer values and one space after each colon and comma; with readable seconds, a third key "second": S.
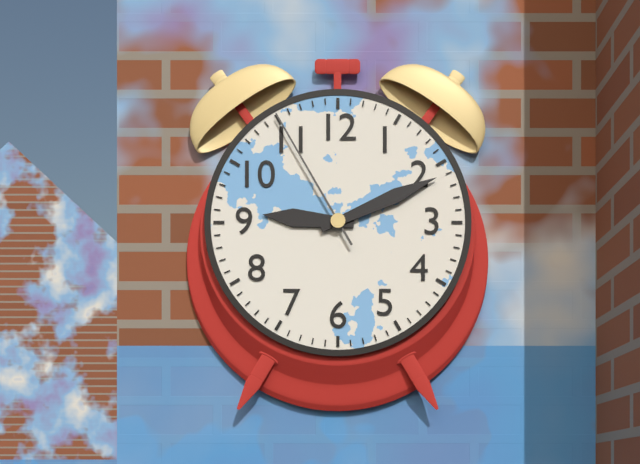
{"hour": 9, "minute": 11, "second": 55}
